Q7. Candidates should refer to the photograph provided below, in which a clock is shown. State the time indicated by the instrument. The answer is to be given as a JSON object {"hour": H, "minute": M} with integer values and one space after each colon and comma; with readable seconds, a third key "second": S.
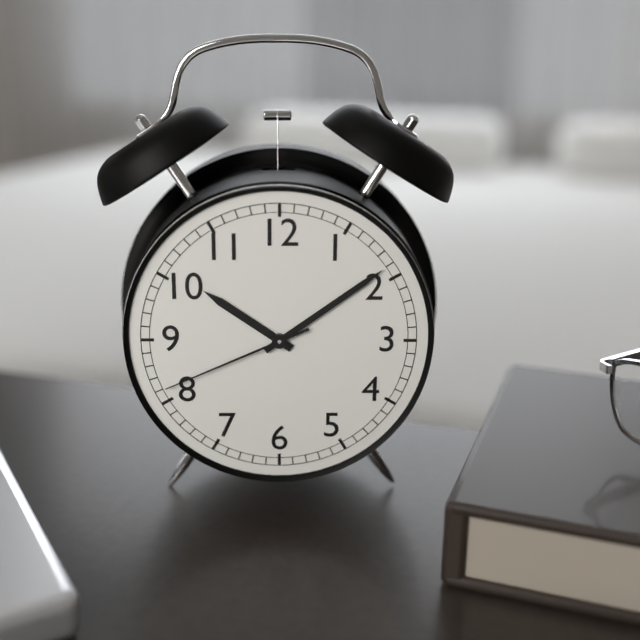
{"hour": 10, "minute": 9, "second": 41}
